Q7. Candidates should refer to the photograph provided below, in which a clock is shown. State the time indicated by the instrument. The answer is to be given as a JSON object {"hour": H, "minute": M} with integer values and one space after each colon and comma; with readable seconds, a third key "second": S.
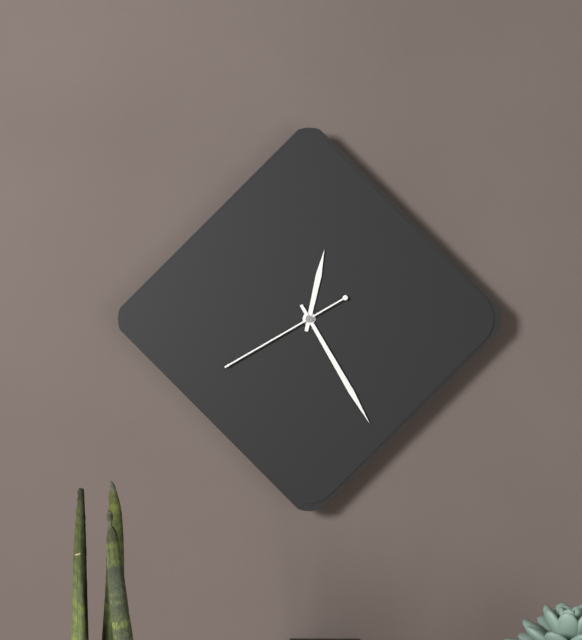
{"hour": 12, "minute": 25, "second": 40}
